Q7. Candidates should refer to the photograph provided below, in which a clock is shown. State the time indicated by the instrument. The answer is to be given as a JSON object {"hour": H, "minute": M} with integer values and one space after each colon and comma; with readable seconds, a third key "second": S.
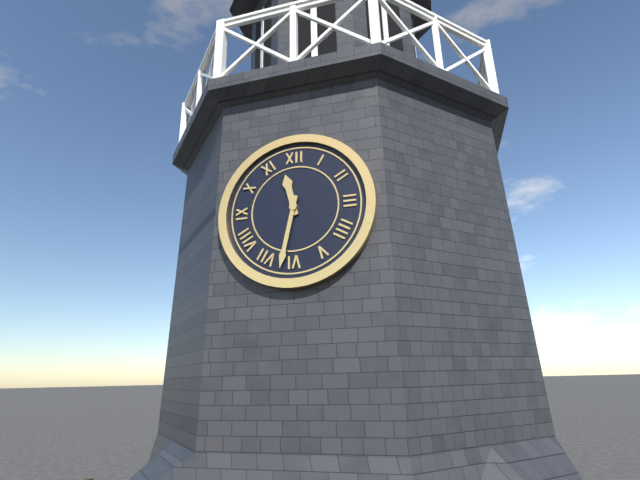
{"hour": 11, "minute": 32}
